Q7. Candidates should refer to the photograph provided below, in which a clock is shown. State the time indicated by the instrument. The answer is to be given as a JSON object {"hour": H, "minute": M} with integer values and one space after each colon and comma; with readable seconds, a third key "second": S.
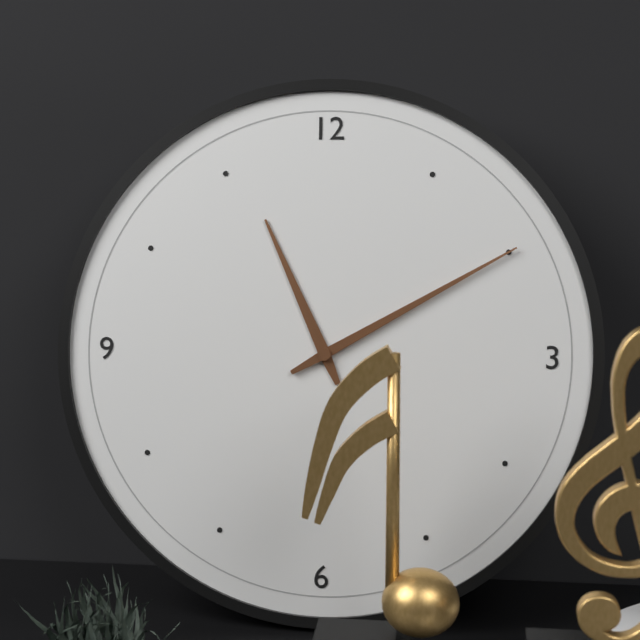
{"hour": 11, "minute": 10}
